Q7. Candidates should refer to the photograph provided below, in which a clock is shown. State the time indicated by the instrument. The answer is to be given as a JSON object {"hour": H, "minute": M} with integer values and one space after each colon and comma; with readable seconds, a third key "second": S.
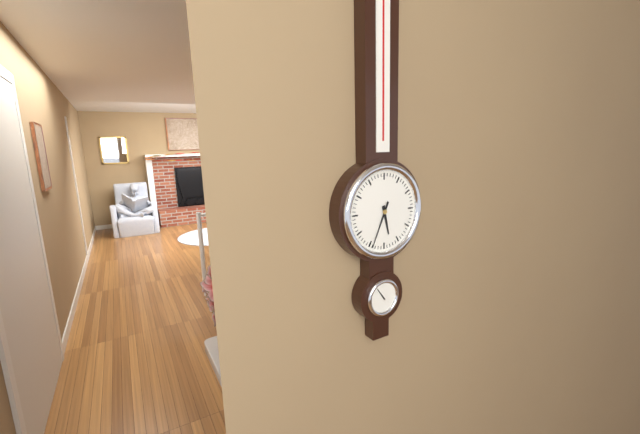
{"hour": 5, "minute": 34}
